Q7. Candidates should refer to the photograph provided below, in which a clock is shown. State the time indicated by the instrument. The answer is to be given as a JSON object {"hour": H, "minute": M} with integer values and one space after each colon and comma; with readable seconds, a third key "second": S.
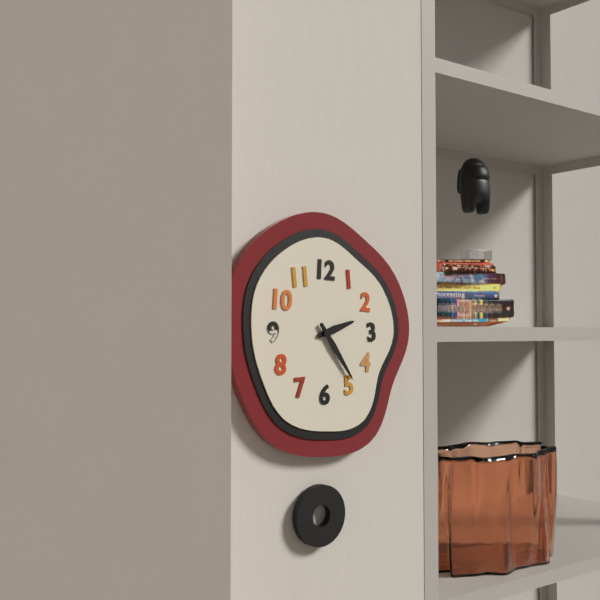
{"hour": 2, "minute": 24}
